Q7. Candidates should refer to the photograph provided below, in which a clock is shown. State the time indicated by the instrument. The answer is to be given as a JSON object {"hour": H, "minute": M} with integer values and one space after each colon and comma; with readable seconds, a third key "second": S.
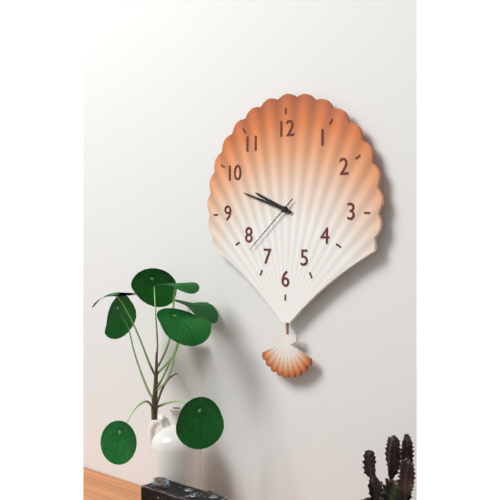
{"hour": 9, "minute": 48, "second": 38}
